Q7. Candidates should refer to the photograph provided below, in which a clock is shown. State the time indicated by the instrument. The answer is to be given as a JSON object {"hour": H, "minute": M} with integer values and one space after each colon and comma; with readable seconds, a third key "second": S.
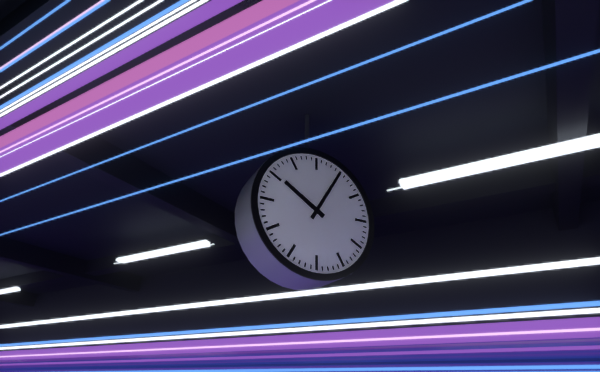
{"hour": 10, "minute": 5}
